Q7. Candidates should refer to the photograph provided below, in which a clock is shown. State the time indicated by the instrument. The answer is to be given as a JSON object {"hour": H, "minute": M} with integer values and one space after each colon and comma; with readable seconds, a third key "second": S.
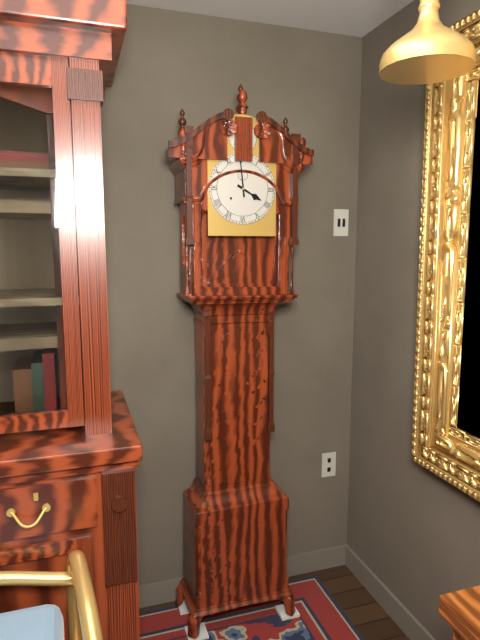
{"hour": 3, "minute": 59}
